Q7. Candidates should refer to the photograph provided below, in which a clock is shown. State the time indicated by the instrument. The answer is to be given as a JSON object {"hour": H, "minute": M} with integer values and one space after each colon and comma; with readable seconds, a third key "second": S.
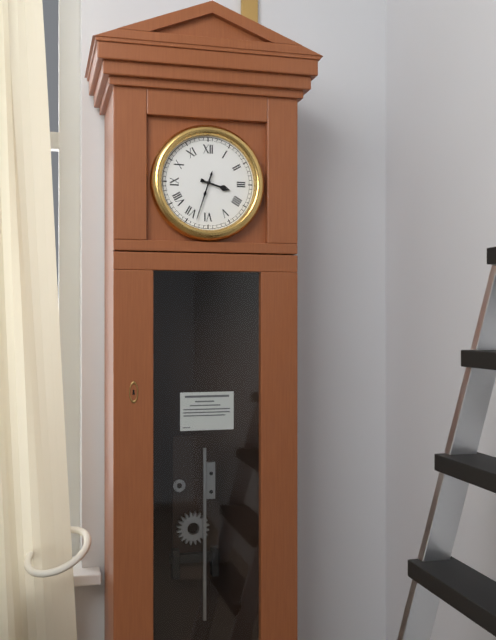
{"hour": 3, "minute": 33}
